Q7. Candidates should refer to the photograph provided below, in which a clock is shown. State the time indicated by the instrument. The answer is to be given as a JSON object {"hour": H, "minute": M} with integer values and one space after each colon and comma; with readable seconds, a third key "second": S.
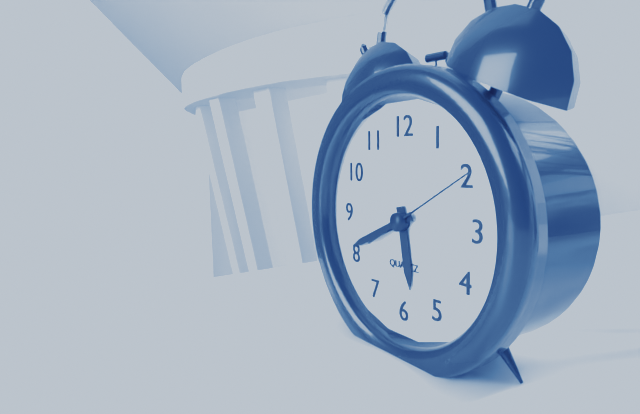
{"hour": 5, "minute": 41, "second": 10}
